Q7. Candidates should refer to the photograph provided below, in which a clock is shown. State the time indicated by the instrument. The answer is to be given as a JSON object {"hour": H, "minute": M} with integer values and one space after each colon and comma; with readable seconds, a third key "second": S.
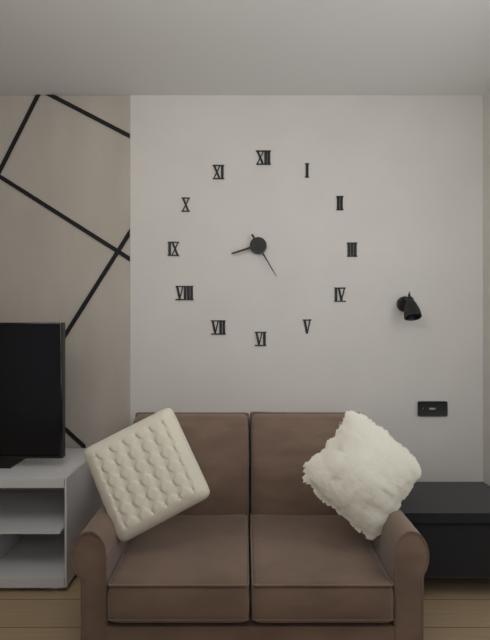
{"hour": 8, "minute": 25}
